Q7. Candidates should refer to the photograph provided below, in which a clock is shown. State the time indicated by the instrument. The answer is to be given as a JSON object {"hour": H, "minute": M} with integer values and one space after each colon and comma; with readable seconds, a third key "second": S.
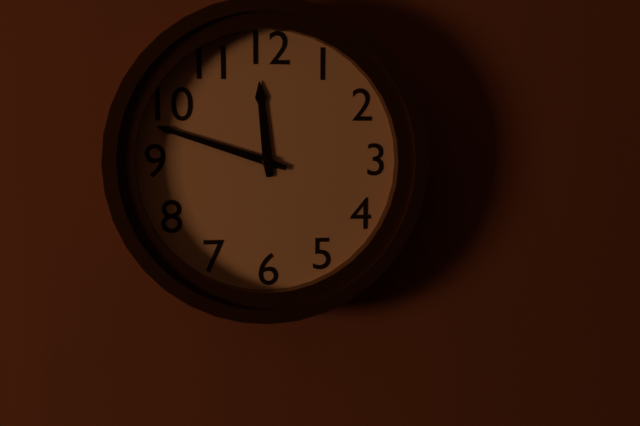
{"hour": 11, "minute": 48}
